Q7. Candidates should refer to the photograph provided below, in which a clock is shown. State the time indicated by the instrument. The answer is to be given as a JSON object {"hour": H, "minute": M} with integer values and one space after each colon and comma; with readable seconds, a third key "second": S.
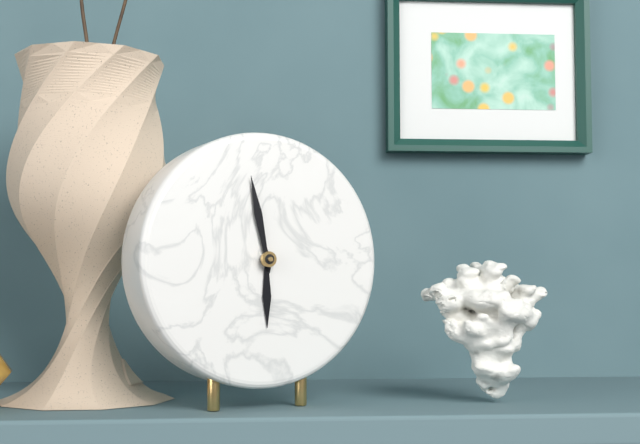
{"hour": 5, "minute": 58}
